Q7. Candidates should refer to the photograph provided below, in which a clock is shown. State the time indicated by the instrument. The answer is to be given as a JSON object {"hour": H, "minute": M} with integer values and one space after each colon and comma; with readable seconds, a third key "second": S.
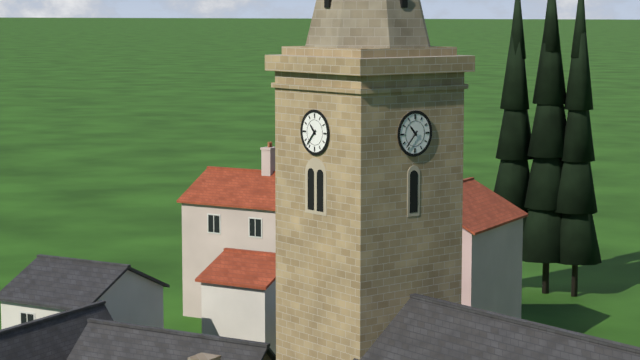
{"hour": 10, "minute": 37}
